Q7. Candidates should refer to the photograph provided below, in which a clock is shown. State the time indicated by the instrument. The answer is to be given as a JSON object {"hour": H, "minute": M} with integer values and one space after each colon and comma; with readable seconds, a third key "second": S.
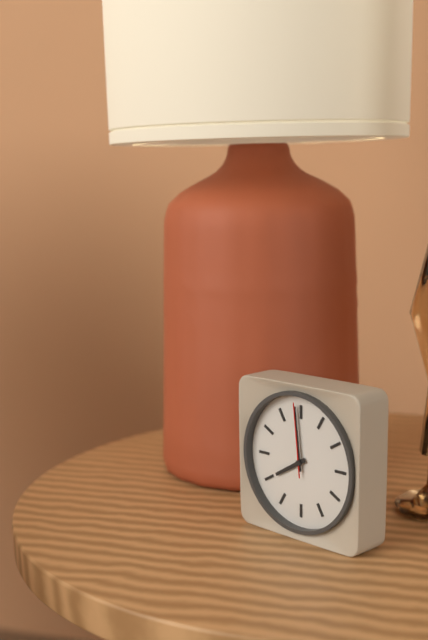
{"hour": 7, "minute": 59, "second": 59}
